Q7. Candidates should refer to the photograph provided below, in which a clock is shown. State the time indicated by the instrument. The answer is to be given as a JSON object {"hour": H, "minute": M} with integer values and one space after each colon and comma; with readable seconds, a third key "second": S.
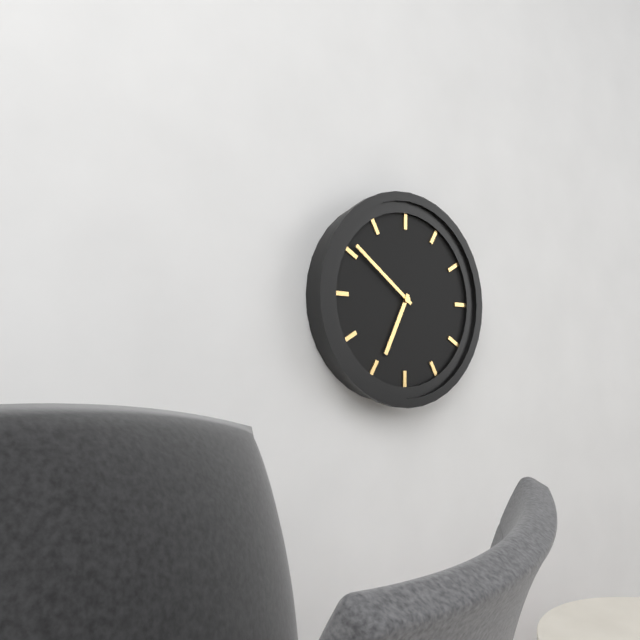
{"hour": 6, "minute": 51}
